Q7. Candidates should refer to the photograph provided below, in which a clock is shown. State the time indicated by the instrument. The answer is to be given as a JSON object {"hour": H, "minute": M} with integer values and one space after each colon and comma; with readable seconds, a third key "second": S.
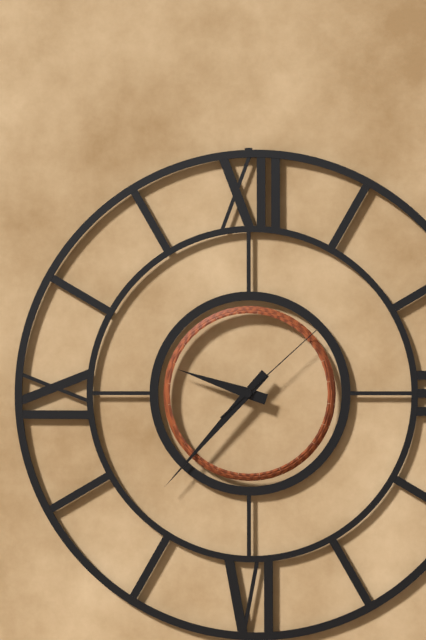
{"hour": 9, "minute": 37, "second": 8}
